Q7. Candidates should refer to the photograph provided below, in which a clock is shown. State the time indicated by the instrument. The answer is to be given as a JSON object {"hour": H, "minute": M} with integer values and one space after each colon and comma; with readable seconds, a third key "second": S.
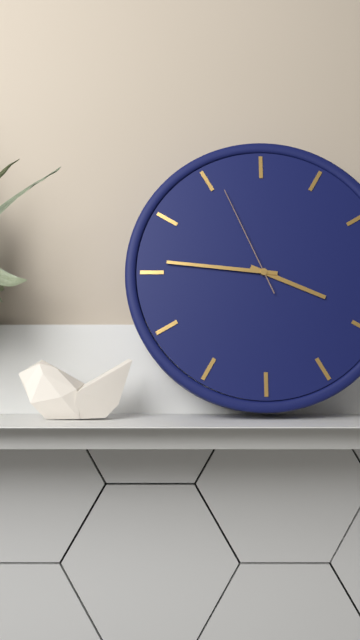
{"hour": 3, "minute": 46, "second": 56}
